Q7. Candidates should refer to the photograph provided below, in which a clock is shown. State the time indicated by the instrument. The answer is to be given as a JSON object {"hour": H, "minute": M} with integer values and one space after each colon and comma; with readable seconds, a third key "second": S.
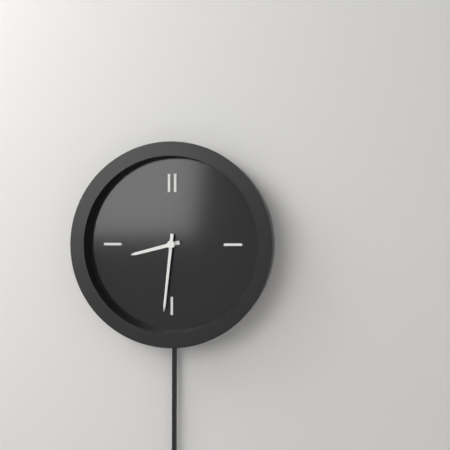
{"hour": 8, "minute": 31}
